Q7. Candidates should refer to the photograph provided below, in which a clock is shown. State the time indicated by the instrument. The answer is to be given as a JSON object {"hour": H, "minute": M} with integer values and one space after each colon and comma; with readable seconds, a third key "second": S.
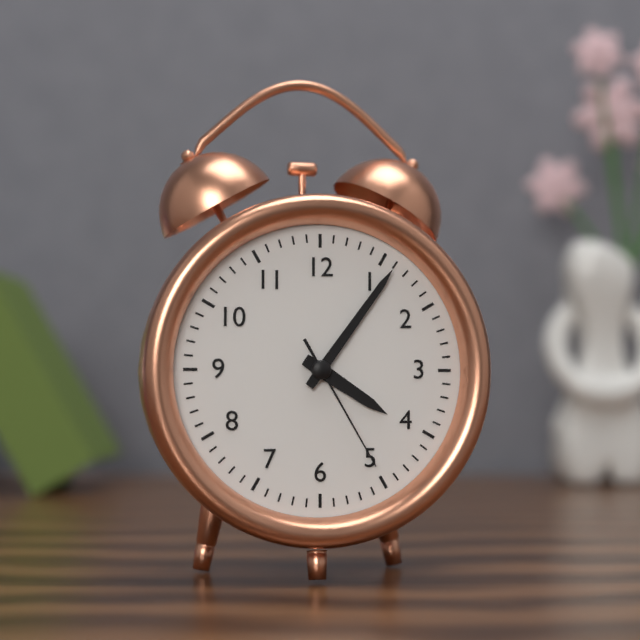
{"hour": 4, "minute": 6, "second": 25}
